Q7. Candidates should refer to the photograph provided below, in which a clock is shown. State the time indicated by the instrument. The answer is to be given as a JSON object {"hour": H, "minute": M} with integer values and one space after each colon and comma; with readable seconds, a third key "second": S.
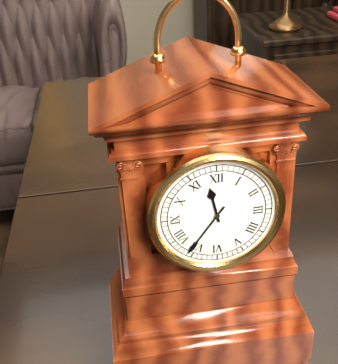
{"hour": 11, "minute": 36}
